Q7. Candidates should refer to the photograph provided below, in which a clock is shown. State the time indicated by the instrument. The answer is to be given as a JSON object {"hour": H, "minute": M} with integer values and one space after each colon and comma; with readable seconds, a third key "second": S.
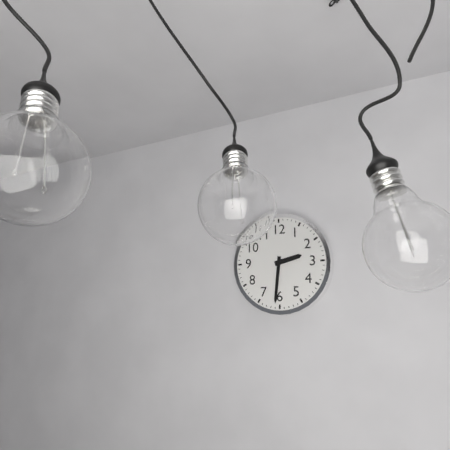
{"hour": 2, "minute": 31}
